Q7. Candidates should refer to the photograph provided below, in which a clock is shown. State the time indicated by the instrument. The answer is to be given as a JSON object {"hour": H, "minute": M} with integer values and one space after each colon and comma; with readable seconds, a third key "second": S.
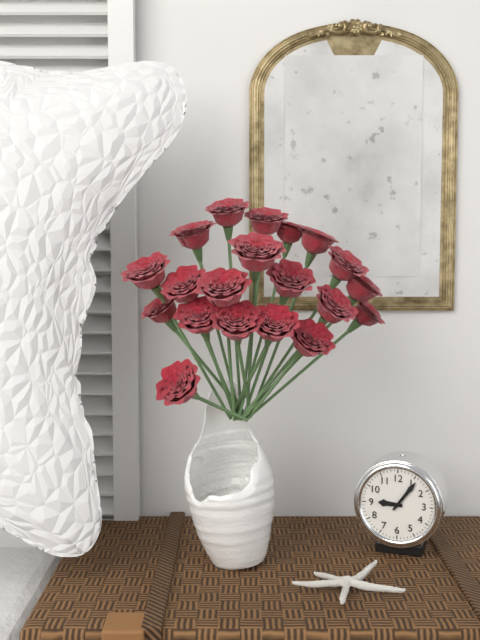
{"hour": 9, "minute": 6}
